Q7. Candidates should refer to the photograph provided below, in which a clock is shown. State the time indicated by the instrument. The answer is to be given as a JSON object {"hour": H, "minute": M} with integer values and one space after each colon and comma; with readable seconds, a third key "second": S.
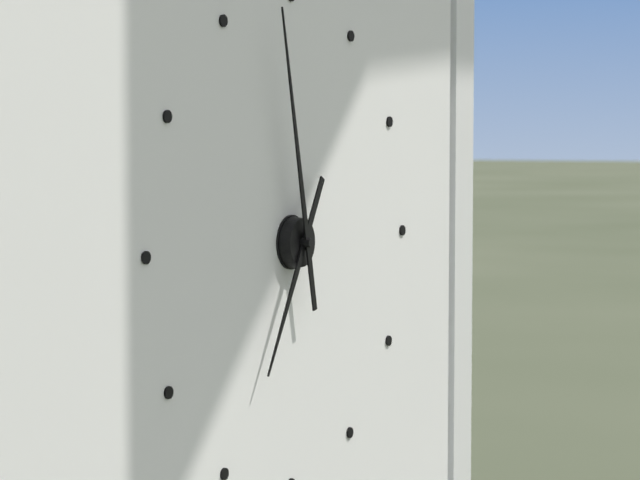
{"hour": 6, "minute": 58}
